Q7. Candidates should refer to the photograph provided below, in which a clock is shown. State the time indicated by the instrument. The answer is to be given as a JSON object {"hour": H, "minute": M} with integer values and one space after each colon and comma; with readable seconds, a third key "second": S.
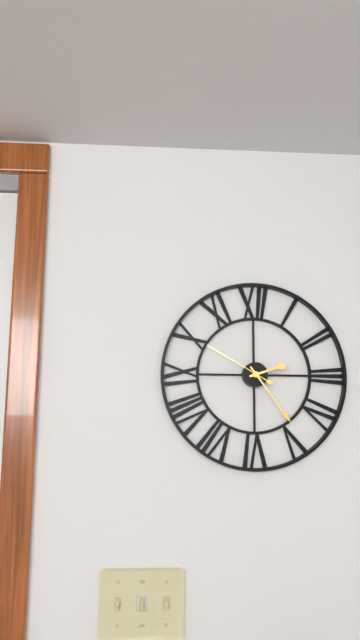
{"hour": 2, "minute": 24, "second": 50}
